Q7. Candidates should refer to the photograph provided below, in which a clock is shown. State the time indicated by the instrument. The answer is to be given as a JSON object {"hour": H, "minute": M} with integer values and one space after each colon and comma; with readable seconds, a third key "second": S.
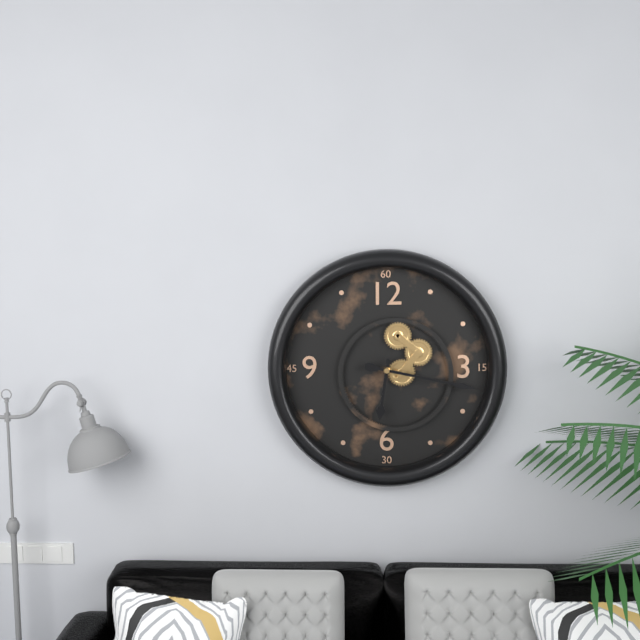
{"hour": 6, "minute": 17}
